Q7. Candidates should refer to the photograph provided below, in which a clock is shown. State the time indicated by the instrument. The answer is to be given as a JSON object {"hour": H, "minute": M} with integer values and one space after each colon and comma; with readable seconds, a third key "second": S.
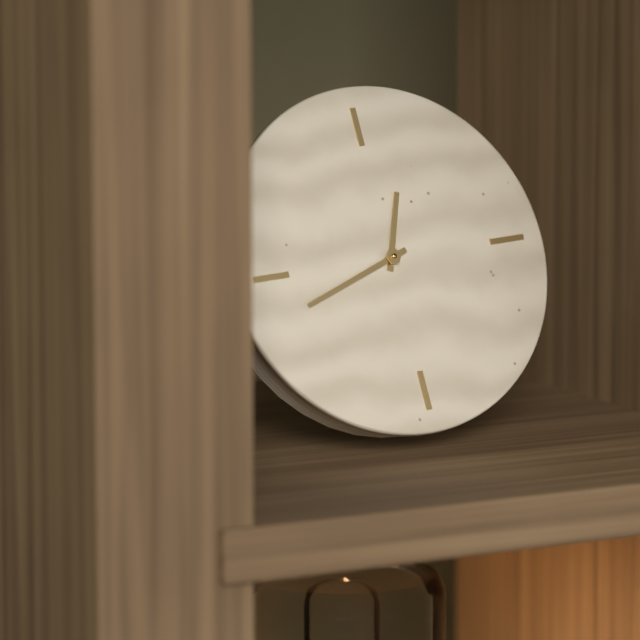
{"hour": 12, "minute": 42}
